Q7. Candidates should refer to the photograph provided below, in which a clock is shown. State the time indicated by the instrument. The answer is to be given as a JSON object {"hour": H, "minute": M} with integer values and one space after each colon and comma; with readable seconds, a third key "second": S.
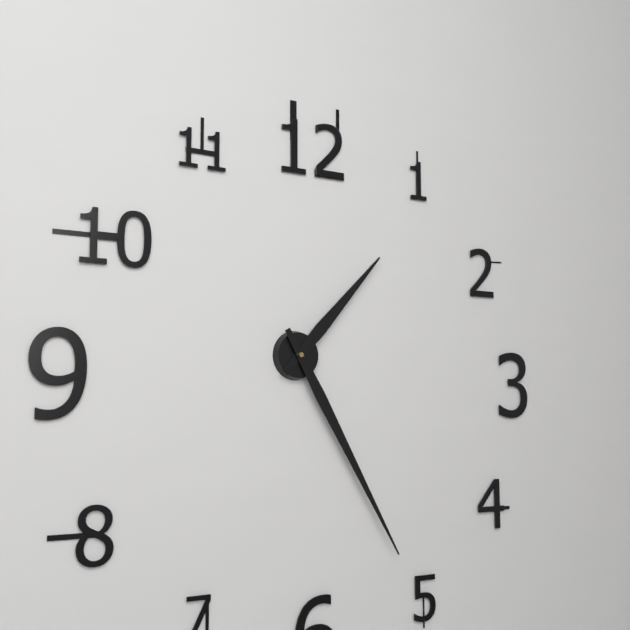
{"hour": 1, "minute": 25}
